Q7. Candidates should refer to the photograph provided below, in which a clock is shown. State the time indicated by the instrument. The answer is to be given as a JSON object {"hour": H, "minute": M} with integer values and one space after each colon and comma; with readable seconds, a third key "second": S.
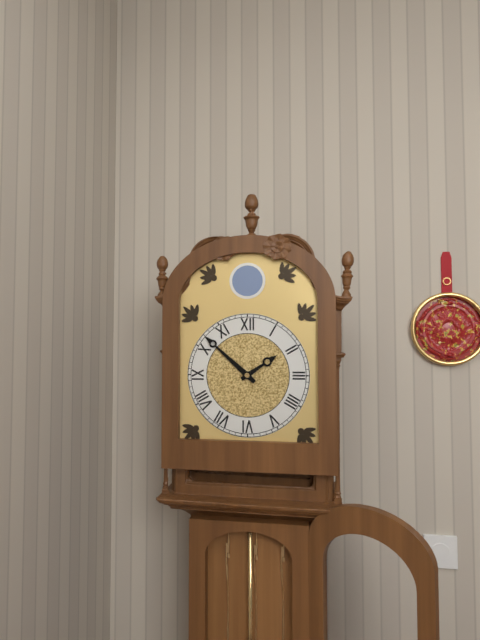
{"hour": 1, "minute": 52}
